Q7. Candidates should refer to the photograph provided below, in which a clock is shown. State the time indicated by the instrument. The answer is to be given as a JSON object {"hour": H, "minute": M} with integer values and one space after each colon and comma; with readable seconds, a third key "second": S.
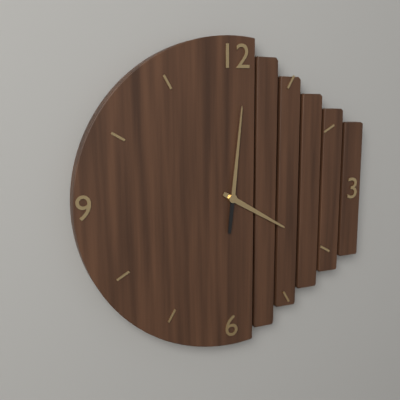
{"hour": 4, "minute": 1}
